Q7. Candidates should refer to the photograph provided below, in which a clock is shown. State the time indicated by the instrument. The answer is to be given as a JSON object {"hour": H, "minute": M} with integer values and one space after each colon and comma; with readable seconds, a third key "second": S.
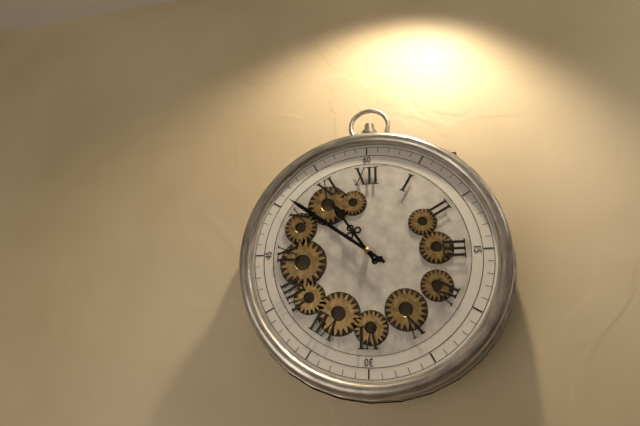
{"hour": 10, "minute": 51}
